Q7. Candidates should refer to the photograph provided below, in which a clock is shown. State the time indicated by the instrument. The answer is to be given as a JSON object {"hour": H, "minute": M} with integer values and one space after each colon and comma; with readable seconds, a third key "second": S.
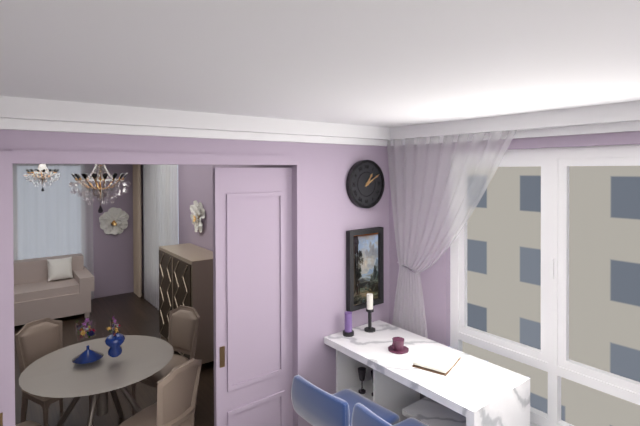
{"hour": 1, "minute": 10}
